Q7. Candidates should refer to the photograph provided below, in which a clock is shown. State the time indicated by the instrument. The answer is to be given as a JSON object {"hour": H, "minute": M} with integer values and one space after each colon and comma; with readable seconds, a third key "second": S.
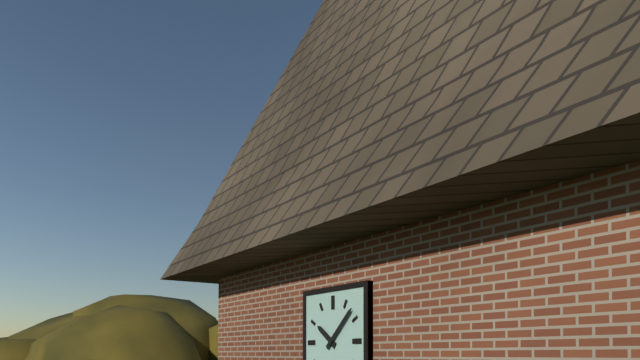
{"hour": 10, "minute": 8}
